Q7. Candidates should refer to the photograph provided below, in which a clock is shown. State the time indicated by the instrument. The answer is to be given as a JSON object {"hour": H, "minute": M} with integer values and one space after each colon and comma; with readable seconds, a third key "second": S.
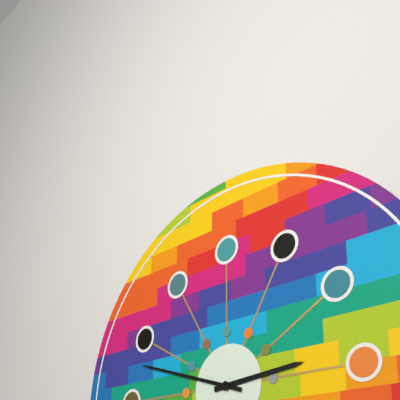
{"hour": 2, "minute": 48}
